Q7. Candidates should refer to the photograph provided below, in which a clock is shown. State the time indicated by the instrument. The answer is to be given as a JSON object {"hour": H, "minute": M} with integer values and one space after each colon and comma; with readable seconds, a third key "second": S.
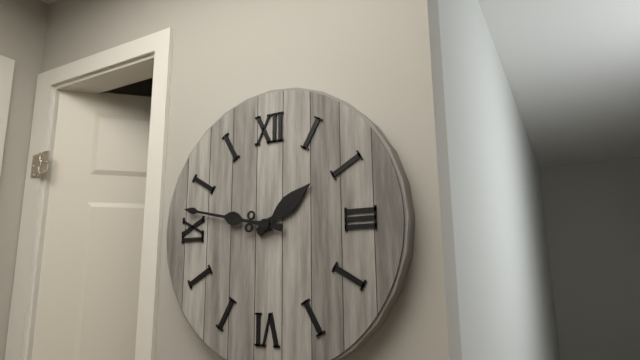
{"hour": 1, "minute": 47}
